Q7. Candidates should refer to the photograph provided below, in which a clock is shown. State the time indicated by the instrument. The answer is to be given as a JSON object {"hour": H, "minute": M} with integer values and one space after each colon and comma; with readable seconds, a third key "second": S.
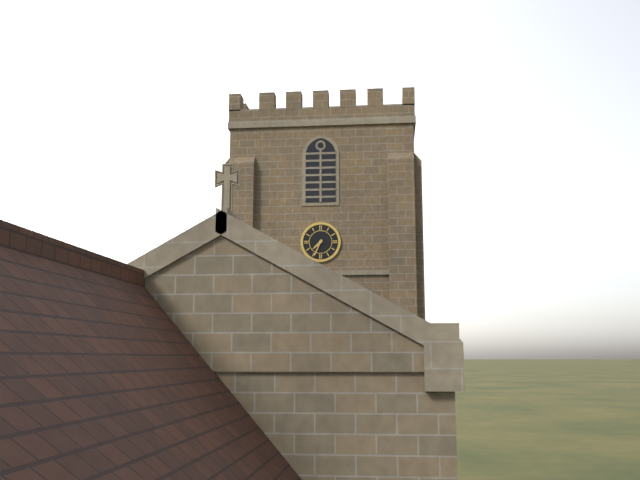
{"hour": 7, "minute": 34}
